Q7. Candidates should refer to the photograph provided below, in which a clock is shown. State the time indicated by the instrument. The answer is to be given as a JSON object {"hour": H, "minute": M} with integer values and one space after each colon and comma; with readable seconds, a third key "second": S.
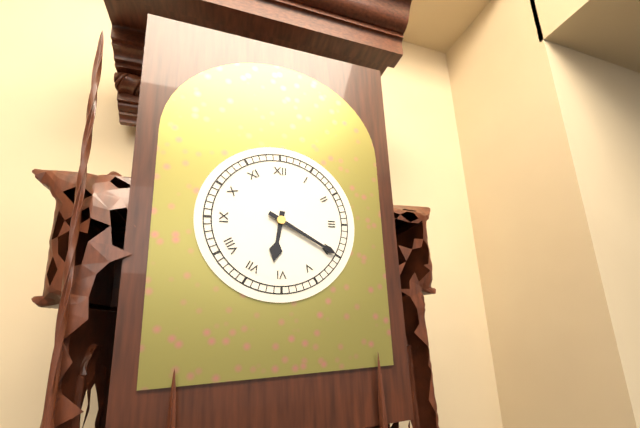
{"hour": 6, "minute": 20}
